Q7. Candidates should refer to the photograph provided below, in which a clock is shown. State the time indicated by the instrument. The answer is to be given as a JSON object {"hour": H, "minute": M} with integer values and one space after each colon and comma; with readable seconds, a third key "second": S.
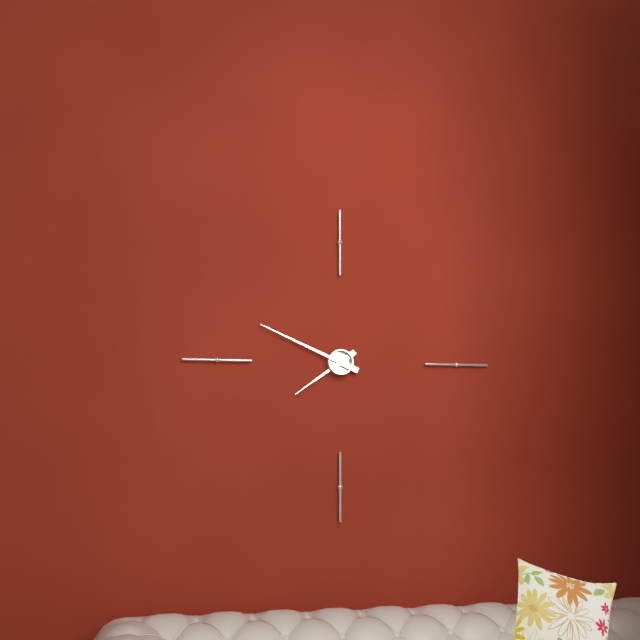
{"hour": 7, "minute": 49}
